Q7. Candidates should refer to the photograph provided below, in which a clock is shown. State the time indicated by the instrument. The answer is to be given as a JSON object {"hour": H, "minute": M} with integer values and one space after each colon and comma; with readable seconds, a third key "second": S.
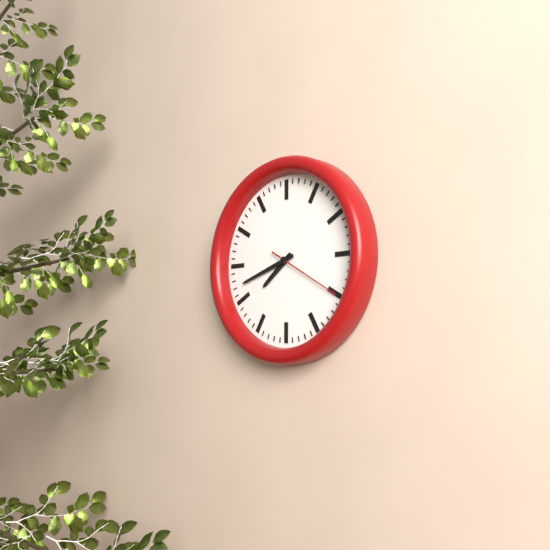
{"hour": 7, "minute": 42, "second": 20}
